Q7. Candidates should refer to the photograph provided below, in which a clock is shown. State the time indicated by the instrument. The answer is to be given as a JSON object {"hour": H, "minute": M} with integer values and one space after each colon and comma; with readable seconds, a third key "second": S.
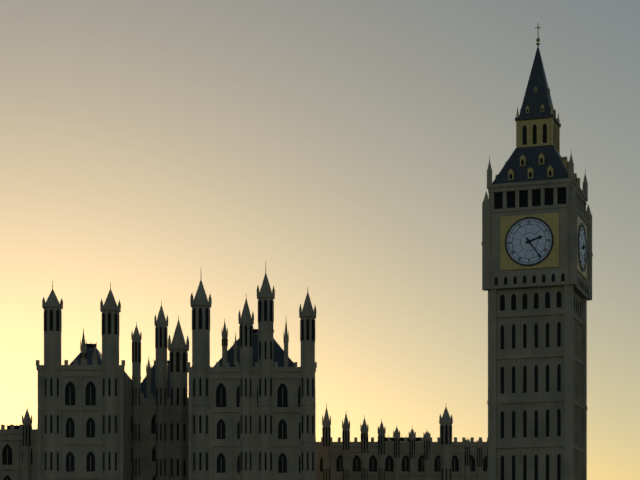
{"hour": 2, "minute": 24}
